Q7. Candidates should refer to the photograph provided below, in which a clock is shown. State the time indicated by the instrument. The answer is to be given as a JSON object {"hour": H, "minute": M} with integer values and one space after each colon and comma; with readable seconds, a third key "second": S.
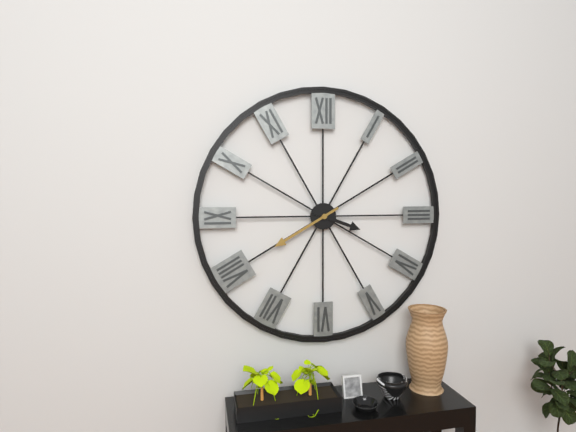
{"hour": 3, "minute": 40}
